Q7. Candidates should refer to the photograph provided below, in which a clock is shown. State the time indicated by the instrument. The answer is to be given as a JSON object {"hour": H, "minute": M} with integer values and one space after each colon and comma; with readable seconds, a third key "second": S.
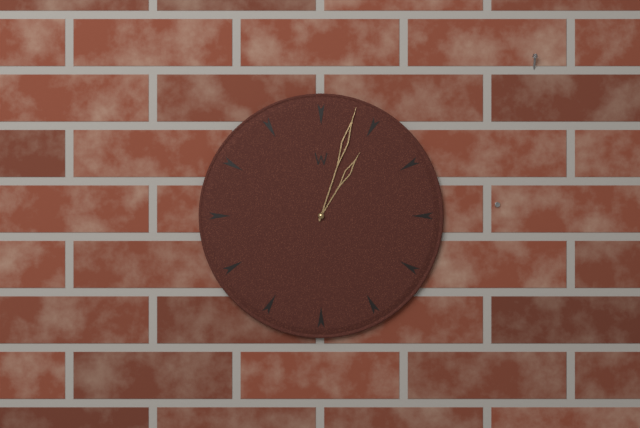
{"hour": 1, "minute": 3}
